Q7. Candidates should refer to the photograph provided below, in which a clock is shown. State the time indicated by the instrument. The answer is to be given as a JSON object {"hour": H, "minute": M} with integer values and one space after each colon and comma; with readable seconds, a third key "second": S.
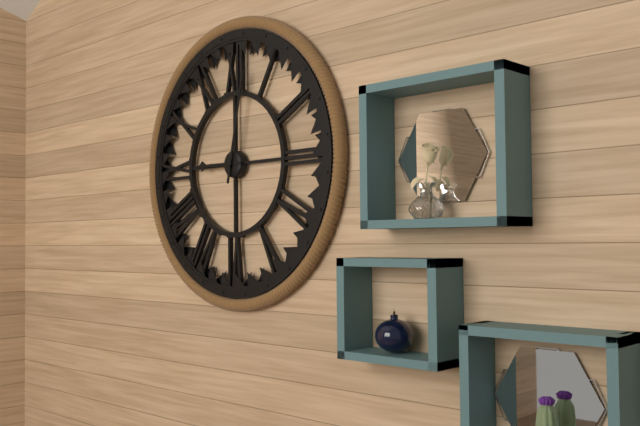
{"hour": 9, "minute": 2}
